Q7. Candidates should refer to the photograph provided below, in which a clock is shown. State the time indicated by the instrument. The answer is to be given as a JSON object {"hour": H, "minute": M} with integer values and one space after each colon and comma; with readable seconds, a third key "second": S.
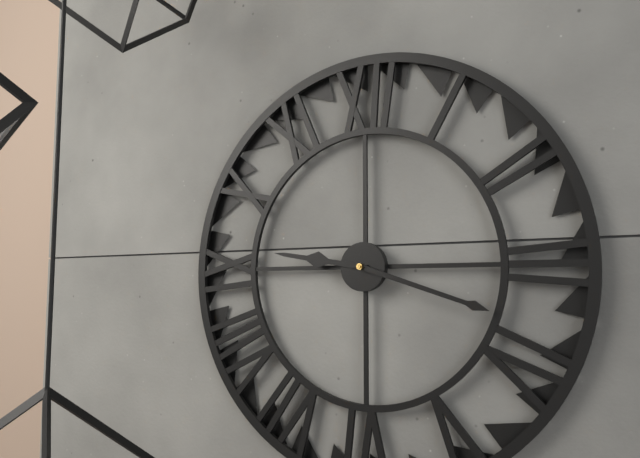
{"hour": 9, "minute": 18}
